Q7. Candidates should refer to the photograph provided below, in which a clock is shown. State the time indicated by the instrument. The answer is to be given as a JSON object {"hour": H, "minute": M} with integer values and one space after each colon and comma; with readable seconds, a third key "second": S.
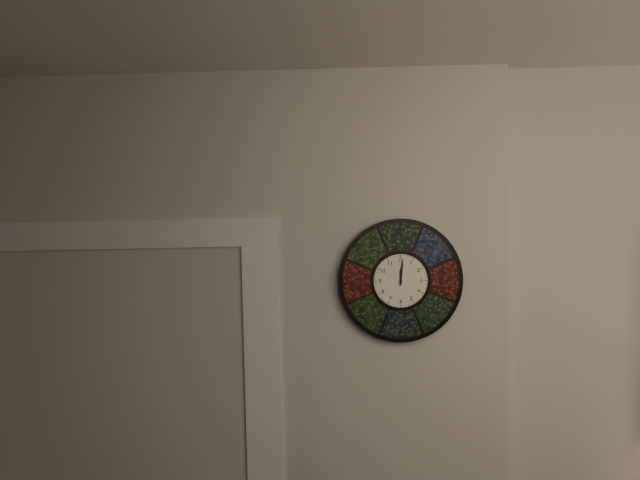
{"hour": 12, "minute": 1}
